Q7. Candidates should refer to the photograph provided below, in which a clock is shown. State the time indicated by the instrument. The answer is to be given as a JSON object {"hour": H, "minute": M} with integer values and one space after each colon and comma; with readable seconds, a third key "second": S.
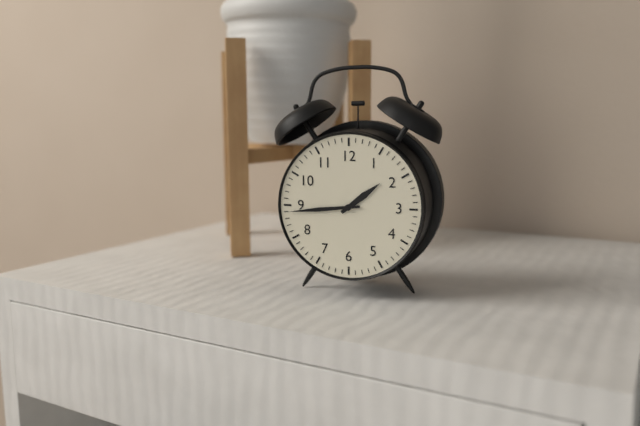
{"hour": 1, "minute": 44}
